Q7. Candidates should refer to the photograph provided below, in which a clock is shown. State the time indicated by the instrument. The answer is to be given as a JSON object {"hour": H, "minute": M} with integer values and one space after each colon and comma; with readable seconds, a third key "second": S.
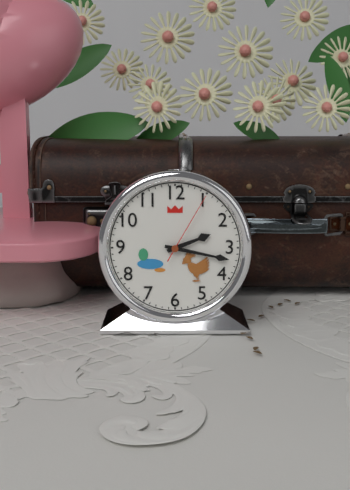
{"hour": 2, "minute": 17, "second": 5}
